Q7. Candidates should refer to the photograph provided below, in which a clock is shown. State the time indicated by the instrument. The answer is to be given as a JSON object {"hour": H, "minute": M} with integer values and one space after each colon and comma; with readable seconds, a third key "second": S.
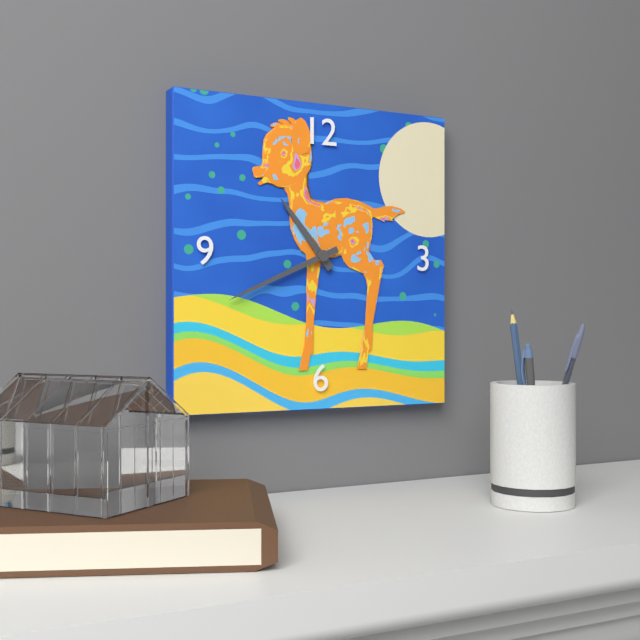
{"hour": 10, "minute": 41}
